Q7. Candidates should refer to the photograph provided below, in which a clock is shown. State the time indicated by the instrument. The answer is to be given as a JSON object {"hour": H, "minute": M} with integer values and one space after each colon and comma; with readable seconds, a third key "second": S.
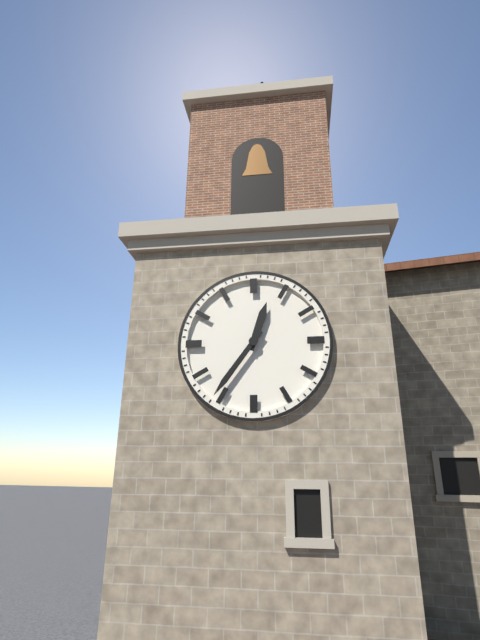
{"hour": 12, "minute": 36}
